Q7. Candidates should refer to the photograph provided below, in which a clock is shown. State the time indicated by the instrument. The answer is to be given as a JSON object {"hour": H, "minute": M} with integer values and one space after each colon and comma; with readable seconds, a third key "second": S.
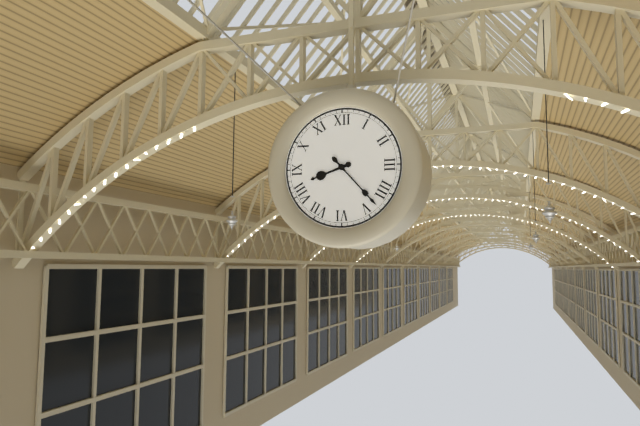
{"hour": 8, "minute": 23}
